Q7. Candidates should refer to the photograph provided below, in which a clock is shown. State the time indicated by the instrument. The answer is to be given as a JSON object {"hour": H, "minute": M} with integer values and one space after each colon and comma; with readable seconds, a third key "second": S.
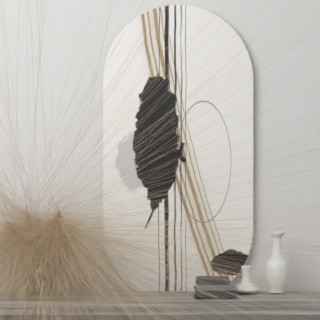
{"hour": 10, "minute": 34}
